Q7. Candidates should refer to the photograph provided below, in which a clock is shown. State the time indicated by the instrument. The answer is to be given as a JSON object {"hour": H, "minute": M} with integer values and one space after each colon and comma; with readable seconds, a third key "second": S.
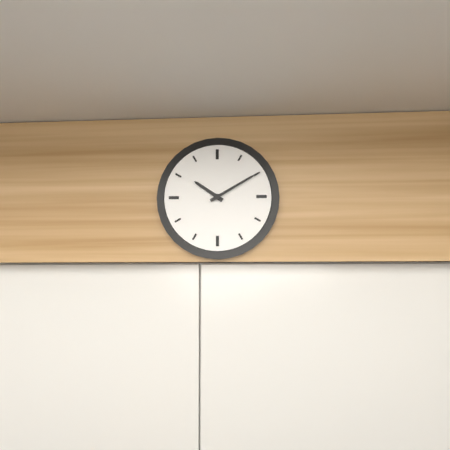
{"hour": 10, "minute": 10}
